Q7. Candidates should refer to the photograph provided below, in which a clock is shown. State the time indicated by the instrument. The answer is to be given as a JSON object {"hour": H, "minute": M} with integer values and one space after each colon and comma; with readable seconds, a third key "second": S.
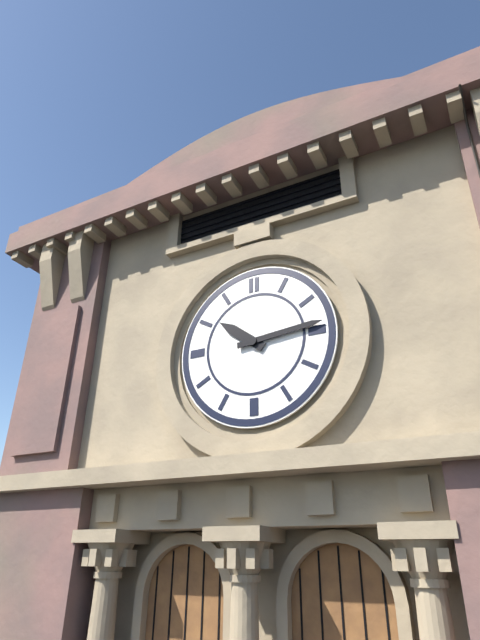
{"hour": 10, "minute": 14}
